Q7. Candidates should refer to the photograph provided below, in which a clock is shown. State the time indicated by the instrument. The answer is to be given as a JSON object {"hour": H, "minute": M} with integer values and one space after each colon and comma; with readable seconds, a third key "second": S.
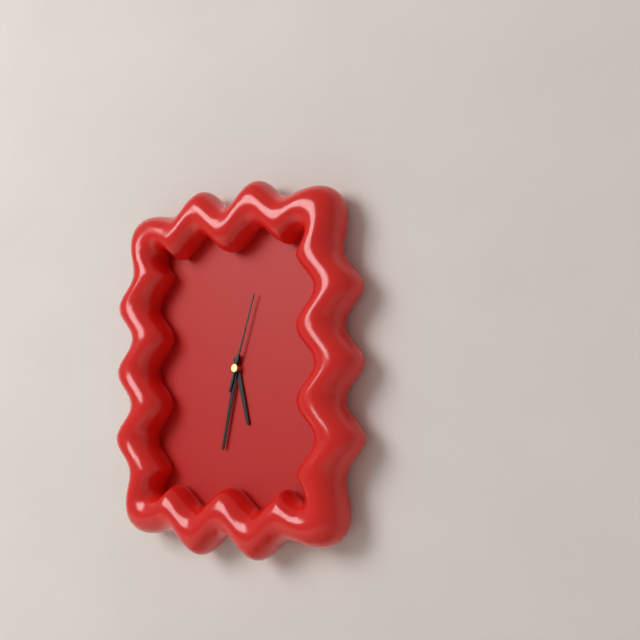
{"hour": 5, "minute": 32, "second": 3}
